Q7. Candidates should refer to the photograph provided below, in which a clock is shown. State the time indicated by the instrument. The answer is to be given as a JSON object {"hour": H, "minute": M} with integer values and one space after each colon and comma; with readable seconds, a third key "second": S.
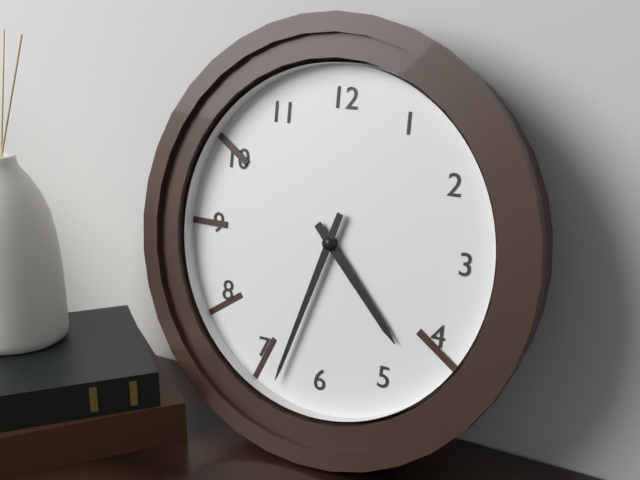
{"hour": 4, "minute": 33}
